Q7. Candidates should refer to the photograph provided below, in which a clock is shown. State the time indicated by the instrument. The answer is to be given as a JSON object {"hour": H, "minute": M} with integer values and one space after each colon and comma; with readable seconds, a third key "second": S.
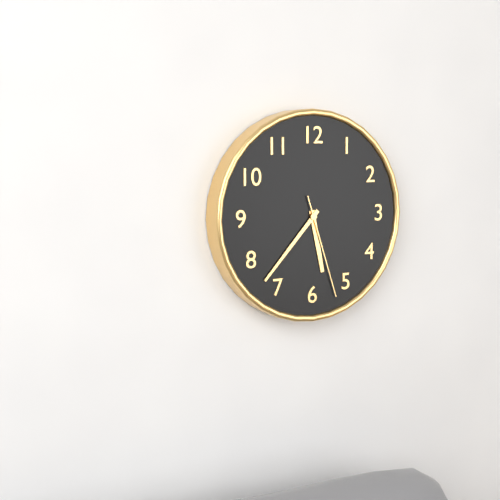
{"hour": 5, "minute": 37, "second": 27}
